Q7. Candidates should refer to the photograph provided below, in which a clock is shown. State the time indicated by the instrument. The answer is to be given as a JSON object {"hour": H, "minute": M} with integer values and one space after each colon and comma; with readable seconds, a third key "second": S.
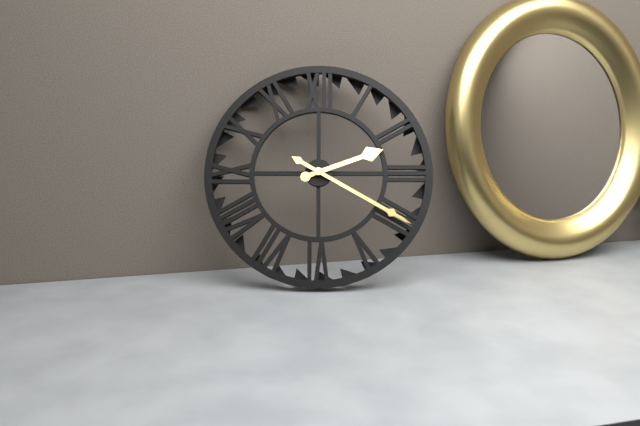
{"hour": 2, "minute": 20}
